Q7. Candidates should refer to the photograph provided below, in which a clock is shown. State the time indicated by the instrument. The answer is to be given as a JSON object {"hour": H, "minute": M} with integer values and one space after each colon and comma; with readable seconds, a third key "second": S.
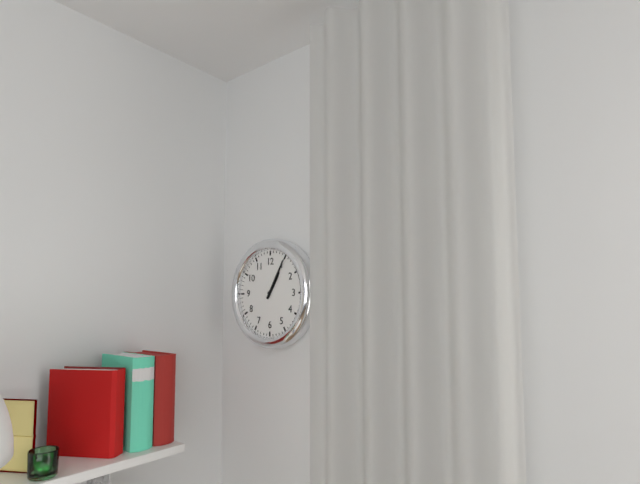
{"hour": 1, "minute": 5}
